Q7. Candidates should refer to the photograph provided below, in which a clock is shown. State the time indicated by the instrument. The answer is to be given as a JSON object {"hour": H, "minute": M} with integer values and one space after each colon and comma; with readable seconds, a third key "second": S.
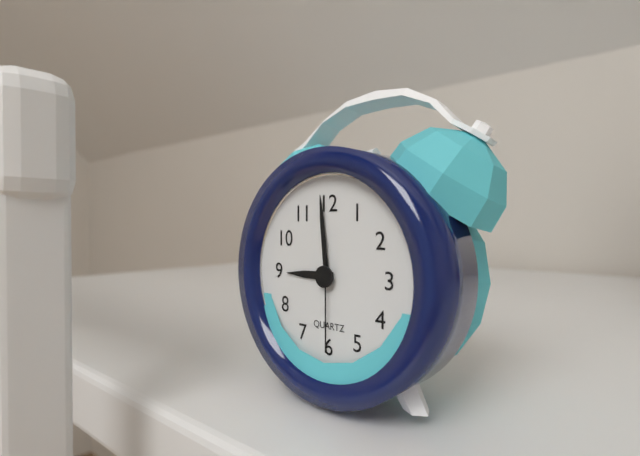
{"hour": 8, "minute": 59, "second": 30}
